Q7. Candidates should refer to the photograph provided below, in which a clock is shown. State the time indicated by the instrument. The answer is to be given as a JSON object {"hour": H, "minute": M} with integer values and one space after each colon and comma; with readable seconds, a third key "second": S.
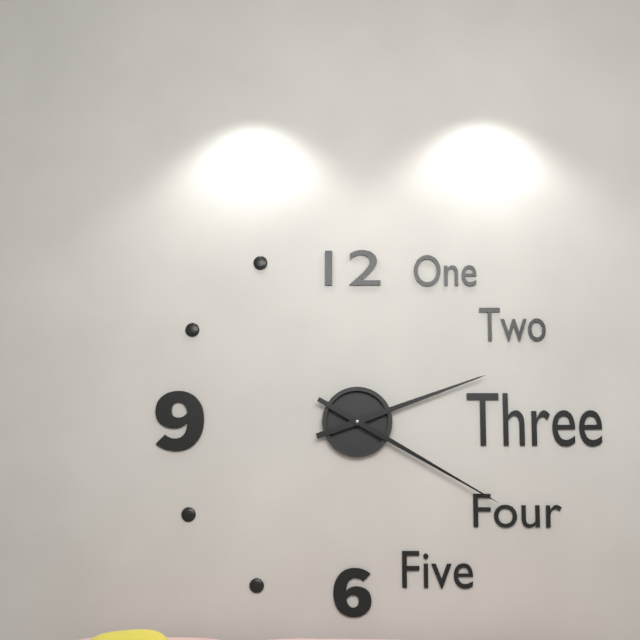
{"hour": 2, "minute": 20}
